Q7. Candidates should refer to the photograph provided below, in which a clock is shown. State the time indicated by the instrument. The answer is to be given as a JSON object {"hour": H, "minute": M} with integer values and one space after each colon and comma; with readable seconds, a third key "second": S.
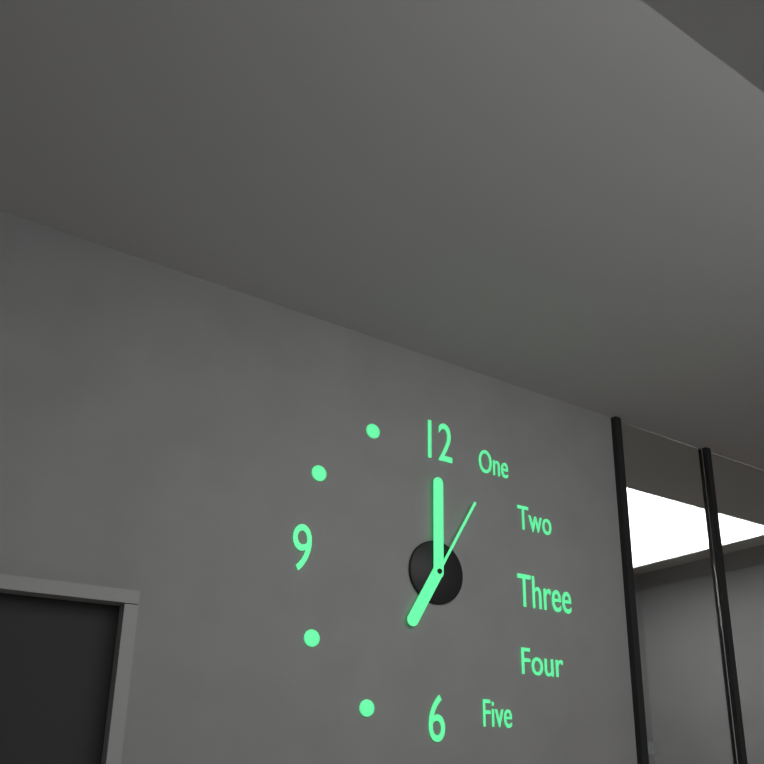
{"hour": 7, "minute": 0, "second": 5}
